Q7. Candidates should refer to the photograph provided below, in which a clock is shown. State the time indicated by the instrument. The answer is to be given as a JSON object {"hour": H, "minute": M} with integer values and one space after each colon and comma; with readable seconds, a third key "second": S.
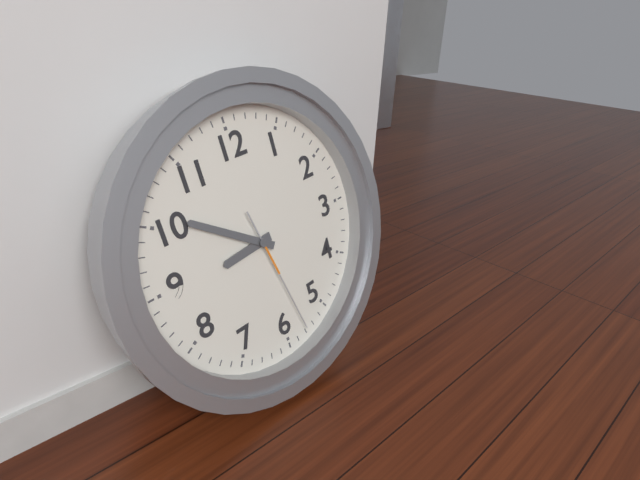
{"hour": 8, "minute": 51, "second": 28}
